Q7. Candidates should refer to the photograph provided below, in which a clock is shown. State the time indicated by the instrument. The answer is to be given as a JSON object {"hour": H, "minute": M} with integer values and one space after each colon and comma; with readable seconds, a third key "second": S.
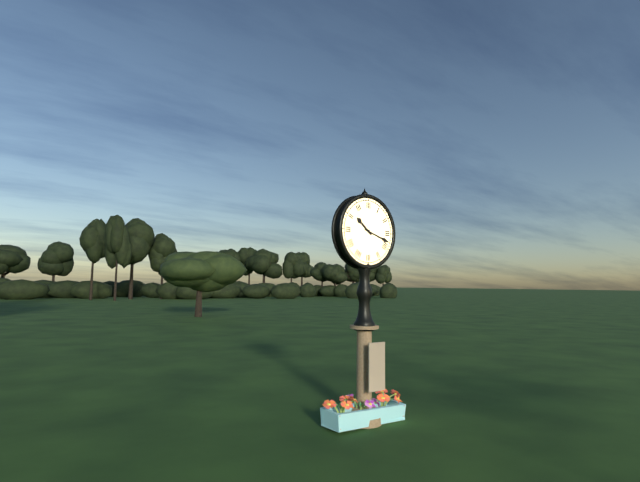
{"hour": 10, "minute": 18}
